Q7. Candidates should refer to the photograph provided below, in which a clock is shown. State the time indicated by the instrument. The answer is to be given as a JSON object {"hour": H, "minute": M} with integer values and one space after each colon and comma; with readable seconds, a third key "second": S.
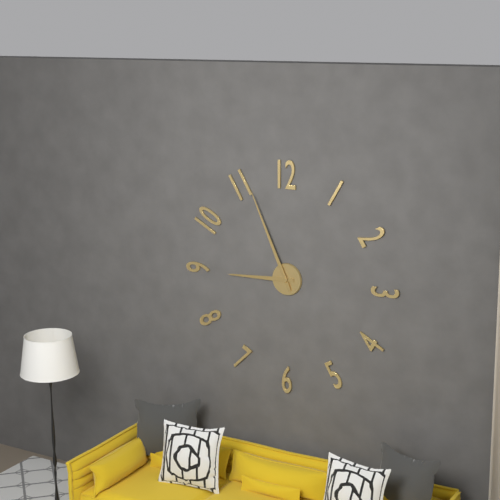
{"hour": 8, "minute": 56}
